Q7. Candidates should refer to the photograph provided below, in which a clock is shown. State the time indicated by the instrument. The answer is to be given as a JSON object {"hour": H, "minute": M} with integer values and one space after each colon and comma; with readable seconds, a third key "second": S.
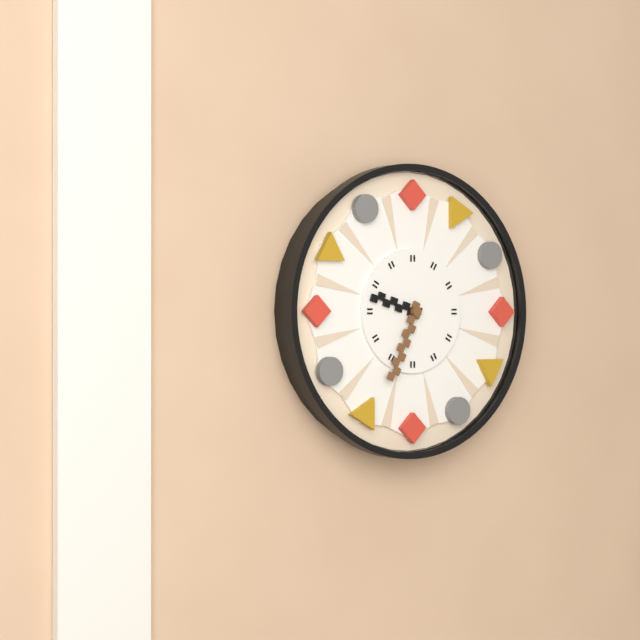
{"hour": 9, "minute": 34}
